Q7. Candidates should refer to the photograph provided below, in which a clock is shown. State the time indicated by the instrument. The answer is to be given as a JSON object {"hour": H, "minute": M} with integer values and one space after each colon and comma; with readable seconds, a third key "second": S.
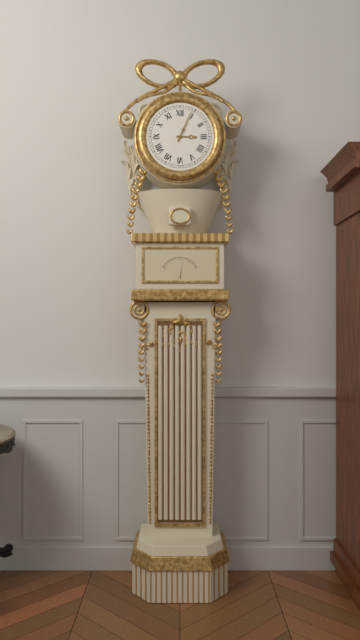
{"hour": 3, "minute": 4}
